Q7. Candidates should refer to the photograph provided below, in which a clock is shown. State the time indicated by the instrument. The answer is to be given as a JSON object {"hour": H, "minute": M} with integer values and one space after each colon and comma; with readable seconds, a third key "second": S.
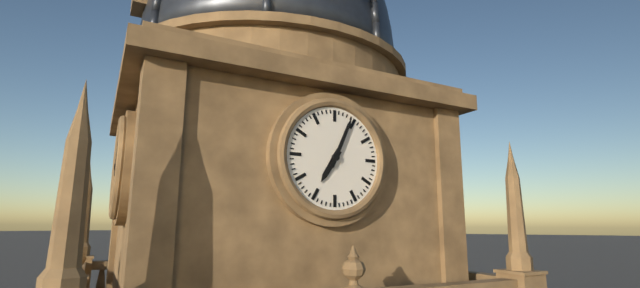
{"hour": 7, "minute": 4}
